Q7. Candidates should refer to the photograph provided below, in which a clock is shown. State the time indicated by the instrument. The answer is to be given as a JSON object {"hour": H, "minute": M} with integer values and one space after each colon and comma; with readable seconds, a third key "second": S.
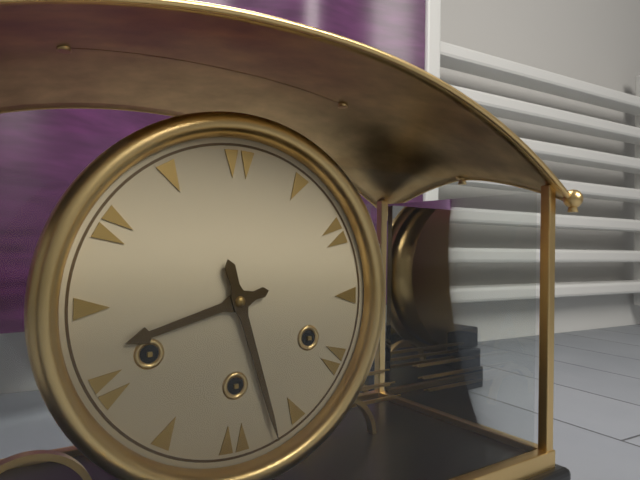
{"hour": 8, "minute": 27}
